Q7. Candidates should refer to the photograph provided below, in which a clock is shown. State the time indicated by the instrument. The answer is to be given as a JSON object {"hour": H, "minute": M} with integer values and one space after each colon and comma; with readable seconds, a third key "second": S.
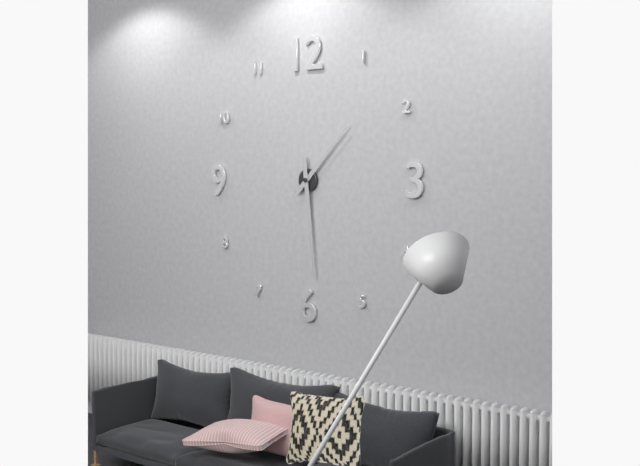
{"hour": 1, "minute": 29}
